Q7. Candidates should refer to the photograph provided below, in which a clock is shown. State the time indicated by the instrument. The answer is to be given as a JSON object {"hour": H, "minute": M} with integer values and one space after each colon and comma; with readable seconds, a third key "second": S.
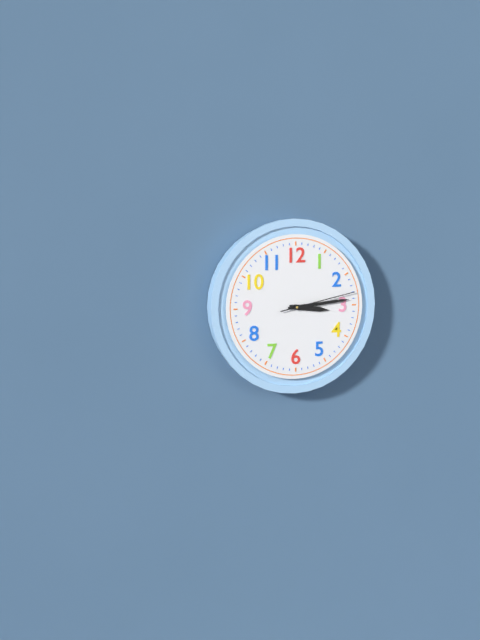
{"hour": 3, "minute": 14, "second": 13}
